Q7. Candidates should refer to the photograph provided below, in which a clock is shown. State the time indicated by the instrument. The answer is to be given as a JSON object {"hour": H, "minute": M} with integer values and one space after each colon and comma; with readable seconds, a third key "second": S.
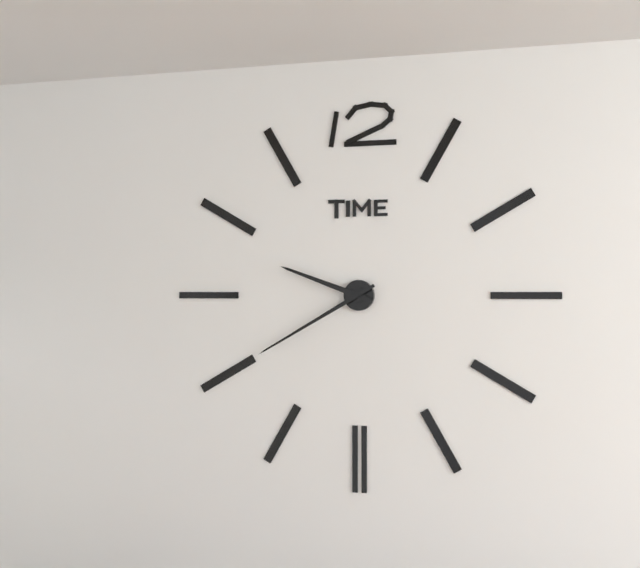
{"hour": 9, "minute": 40}
